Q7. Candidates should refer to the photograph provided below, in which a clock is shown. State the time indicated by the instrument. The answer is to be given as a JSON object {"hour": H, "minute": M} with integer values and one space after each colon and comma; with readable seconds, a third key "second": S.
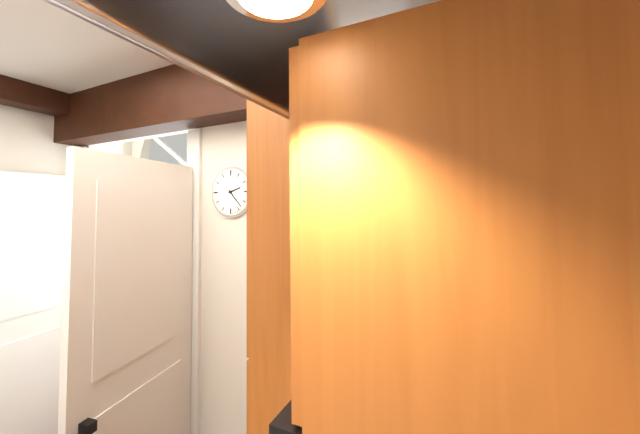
{"hour": 2, "minute": 23}
